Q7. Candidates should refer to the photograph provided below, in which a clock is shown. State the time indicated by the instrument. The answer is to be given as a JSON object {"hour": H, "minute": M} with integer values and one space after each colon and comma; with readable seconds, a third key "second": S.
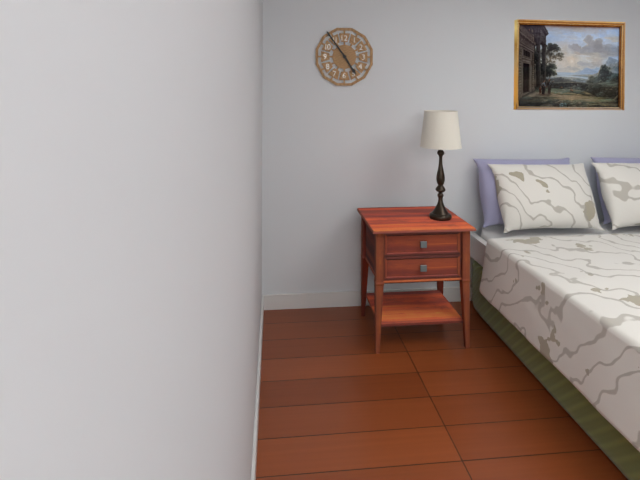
{"hour": 4, "minute": 54}
